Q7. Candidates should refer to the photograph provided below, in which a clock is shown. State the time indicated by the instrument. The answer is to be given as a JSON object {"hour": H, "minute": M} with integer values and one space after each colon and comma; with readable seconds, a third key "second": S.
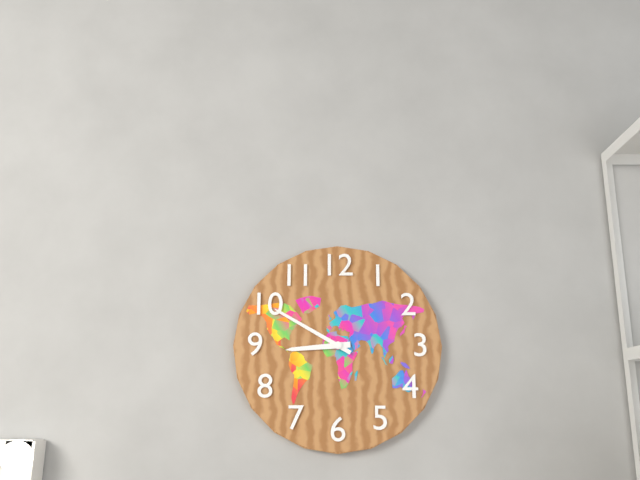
{"hour": 8, "minute": 50}
